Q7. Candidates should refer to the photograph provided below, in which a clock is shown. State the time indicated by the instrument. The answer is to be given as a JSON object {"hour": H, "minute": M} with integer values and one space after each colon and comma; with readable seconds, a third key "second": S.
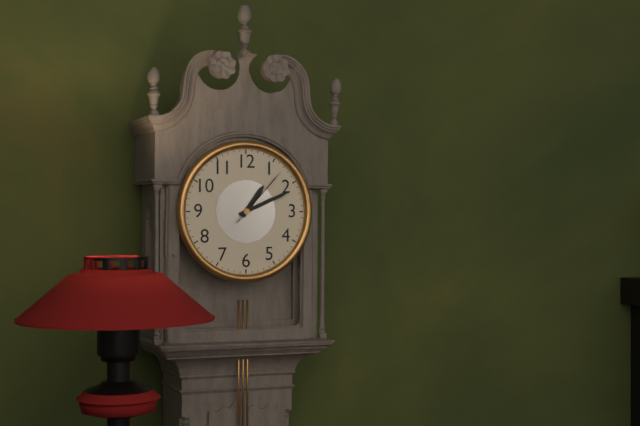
{"hour": 1, "minute": 11, "second": 7}
